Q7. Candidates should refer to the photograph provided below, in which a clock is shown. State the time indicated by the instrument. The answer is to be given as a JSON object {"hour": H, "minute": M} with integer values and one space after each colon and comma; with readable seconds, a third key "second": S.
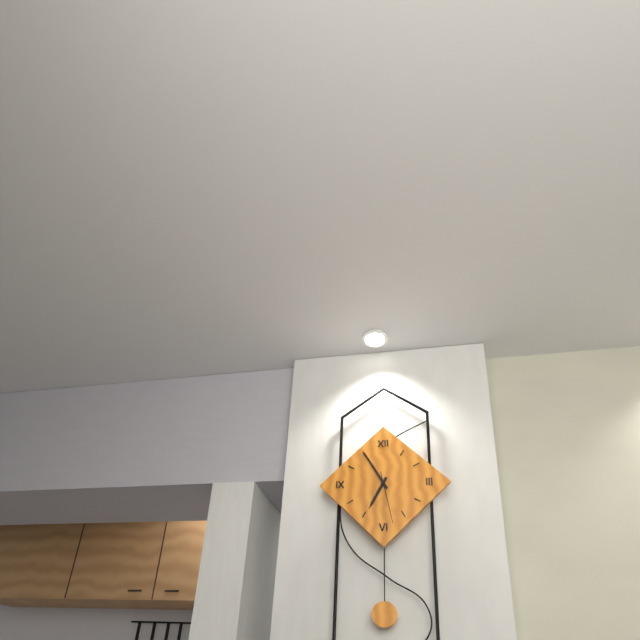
{"hour": 6, "minute": 55, "second": 28}
